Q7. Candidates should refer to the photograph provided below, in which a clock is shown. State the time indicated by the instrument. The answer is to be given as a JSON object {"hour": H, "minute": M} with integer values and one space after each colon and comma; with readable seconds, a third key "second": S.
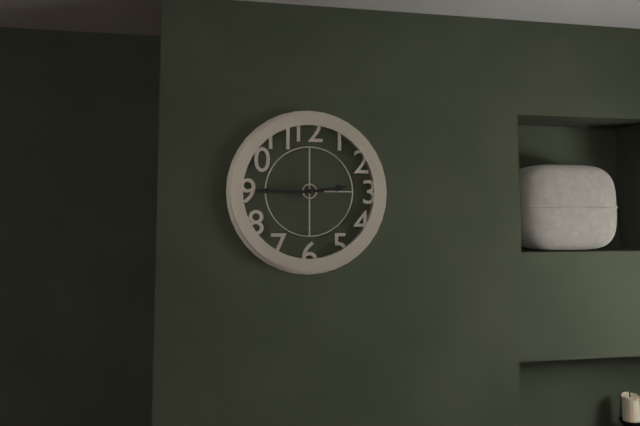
{"hour": 2, "minute": 45}
